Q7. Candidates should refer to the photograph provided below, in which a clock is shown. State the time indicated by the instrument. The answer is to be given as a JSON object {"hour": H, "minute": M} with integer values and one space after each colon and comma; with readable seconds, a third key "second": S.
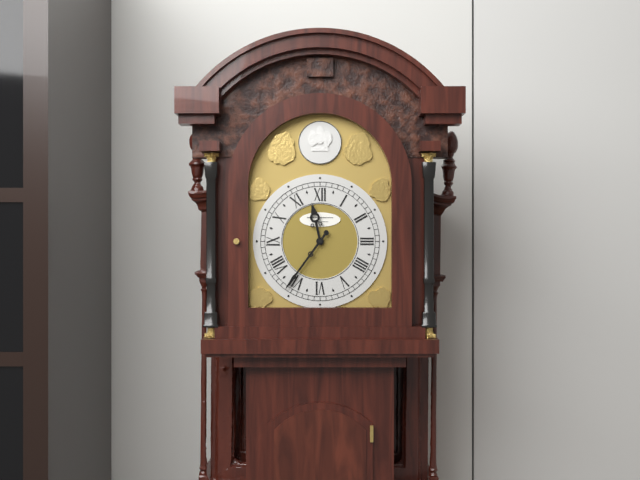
{"hour": 11, "minute": 36}
